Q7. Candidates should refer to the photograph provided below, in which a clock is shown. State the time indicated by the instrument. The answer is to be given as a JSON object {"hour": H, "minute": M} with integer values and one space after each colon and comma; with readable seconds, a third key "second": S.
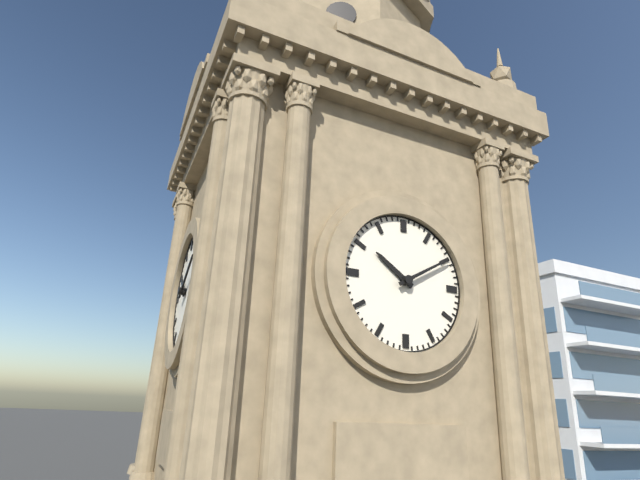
{"hour": 10, "minute": 10}
